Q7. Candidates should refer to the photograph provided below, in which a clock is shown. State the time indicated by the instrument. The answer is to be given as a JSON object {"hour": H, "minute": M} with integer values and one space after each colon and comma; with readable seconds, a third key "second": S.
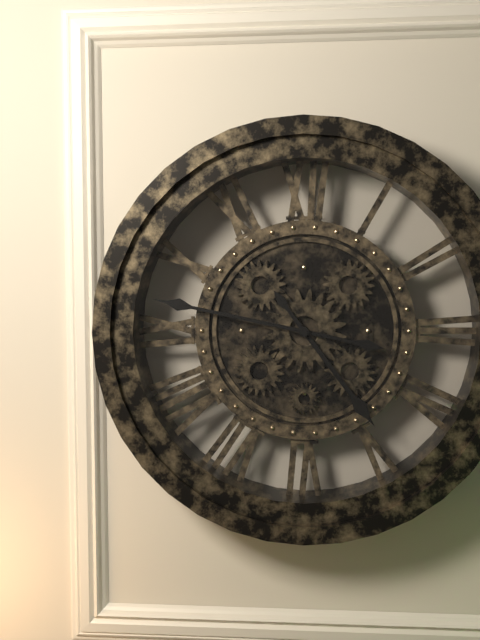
{"hour": 4, "minute": 47}
